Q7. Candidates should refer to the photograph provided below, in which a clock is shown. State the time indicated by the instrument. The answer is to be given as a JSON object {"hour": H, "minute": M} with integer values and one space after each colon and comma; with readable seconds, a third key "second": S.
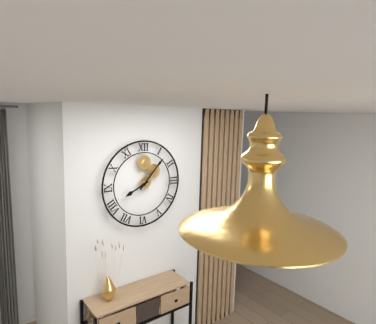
{"hour": 8, "minute": 7}
